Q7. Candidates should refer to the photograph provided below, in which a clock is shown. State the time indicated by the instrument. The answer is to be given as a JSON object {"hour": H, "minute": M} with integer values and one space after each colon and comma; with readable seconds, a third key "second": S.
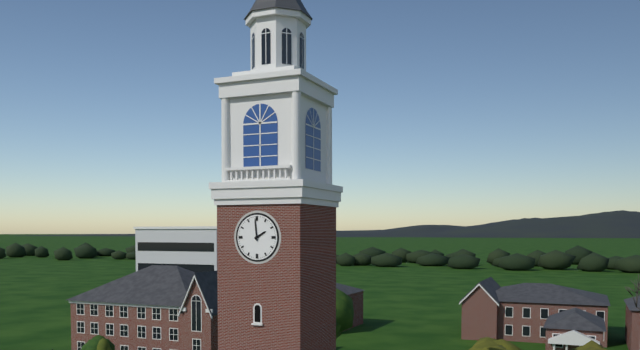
{"hour": 1, "minute": 59}
